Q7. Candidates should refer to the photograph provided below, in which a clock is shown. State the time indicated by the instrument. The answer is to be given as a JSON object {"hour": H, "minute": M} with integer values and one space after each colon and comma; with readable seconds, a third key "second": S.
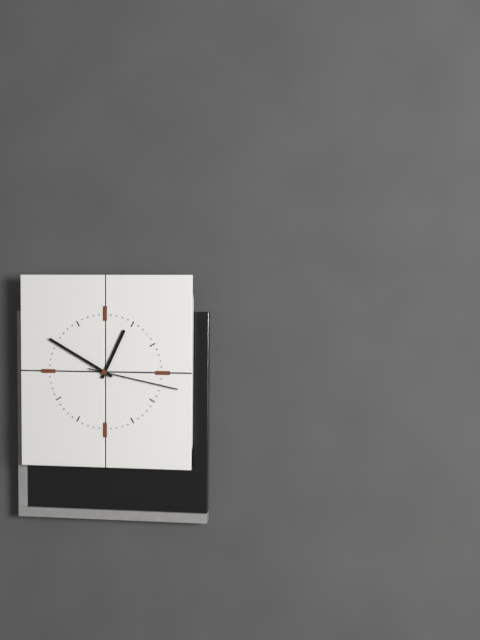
{"hour": 12, "minute": 50, "second": 17}
